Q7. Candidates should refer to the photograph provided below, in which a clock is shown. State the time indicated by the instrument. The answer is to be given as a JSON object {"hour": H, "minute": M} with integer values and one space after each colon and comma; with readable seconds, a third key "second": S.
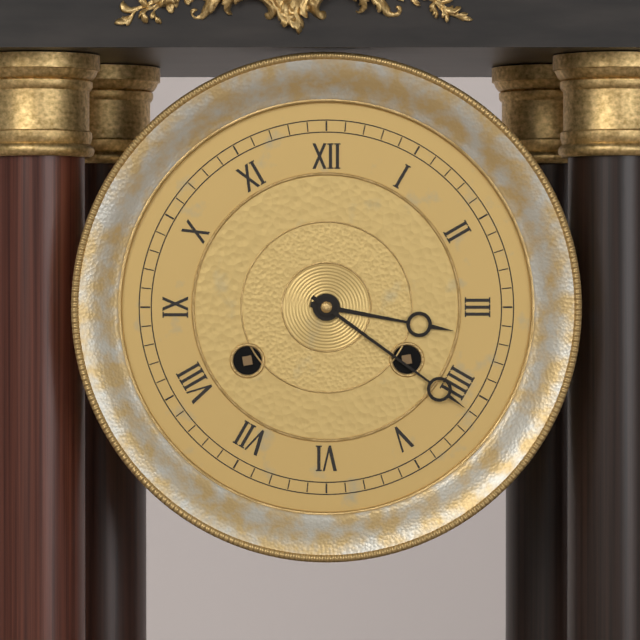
{"hour": 3, "minute": 21}
